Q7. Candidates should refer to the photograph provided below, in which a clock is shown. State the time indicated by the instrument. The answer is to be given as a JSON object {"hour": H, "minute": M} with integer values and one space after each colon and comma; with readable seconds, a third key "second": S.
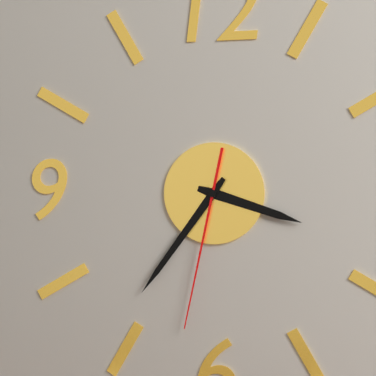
{"hour": 3, "minute": 36, "second": 32}
